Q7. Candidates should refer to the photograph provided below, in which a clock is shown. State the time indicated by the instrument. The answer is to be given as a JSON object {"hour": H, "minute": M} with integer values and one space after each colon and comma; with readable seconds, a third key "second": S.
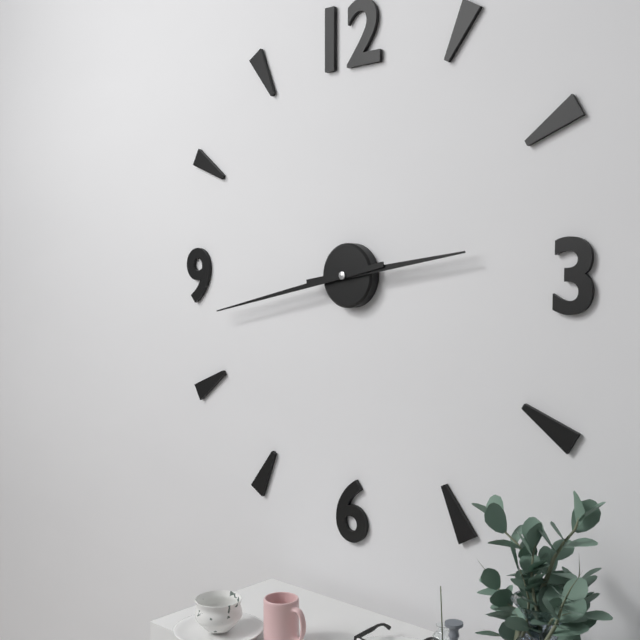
{"hour": 2, "minute": 43}
